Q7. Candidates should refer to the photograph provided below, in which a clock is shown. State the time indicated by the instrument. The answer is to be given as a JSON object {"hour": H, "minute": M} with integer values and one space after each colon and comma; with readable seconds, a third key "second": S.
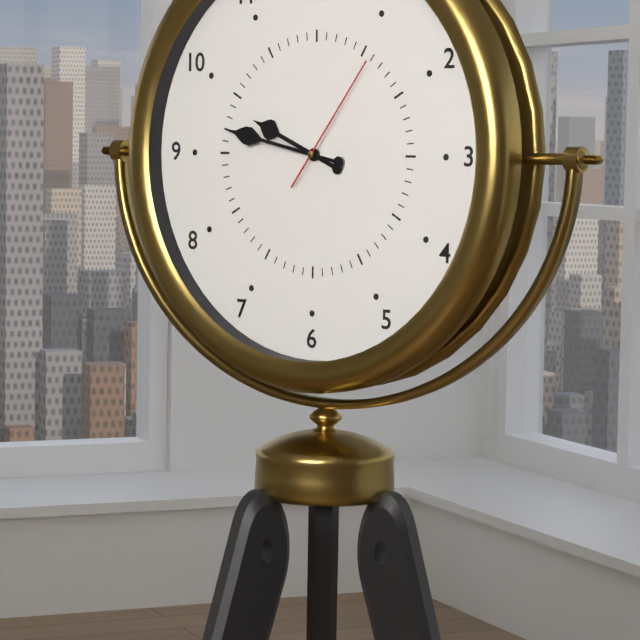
{"hour": 9, "minute": 47, "second": 6}
